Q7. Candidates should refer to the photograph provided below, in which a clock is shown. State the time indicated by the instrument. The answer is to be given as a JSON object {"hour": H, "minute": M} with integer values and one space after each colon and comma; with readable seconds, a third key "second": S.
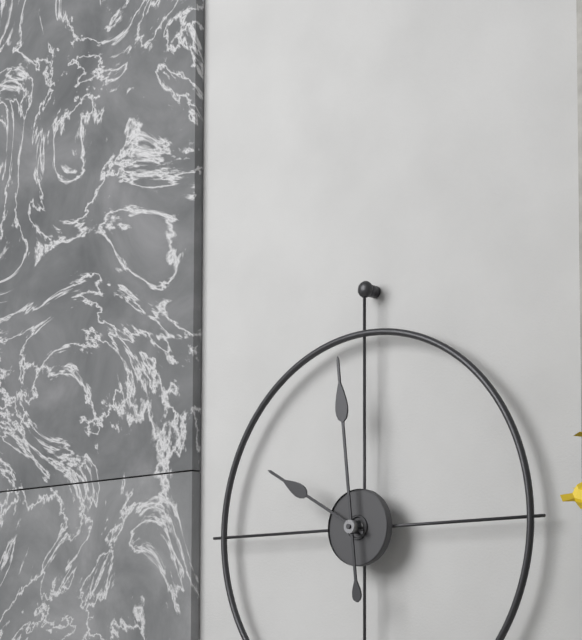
{"hour": 9, "minute": 59}
